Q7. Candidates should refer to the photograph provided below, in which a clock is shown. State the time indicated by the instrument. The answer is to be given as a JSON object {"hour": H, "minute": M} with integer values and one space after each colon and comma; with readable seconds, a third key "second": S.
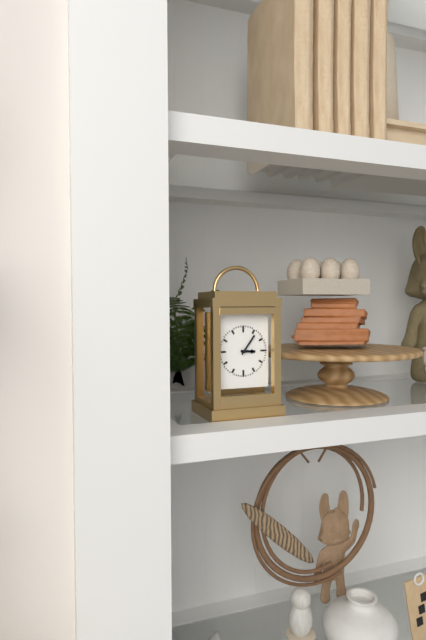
{"hour": 3, "minute": 6}
